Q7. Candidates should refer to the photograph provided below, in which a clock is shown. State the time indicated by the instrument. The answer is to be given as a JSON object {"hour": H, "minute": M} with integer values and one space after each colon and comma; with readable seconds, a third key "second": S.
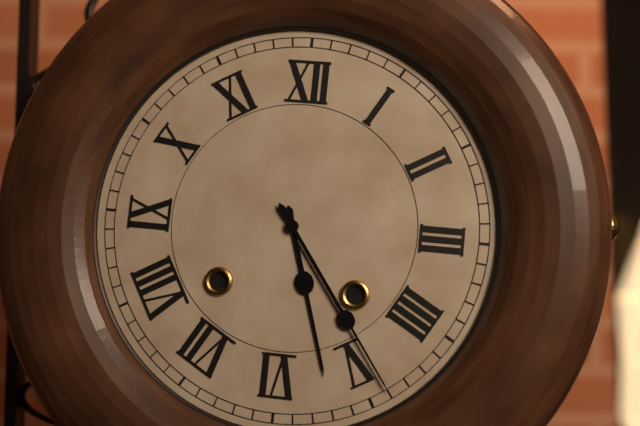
{"hour": 5, "minute": 24}
